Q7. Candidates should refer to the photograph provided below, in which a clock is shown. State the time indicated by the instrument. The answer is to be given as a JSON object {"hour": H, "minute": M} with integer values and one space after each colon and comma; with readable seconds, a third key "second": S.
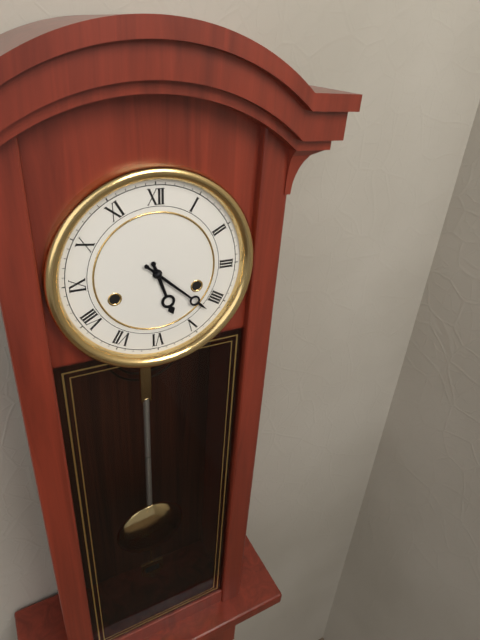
{"hour": 5, "minute": 22}
